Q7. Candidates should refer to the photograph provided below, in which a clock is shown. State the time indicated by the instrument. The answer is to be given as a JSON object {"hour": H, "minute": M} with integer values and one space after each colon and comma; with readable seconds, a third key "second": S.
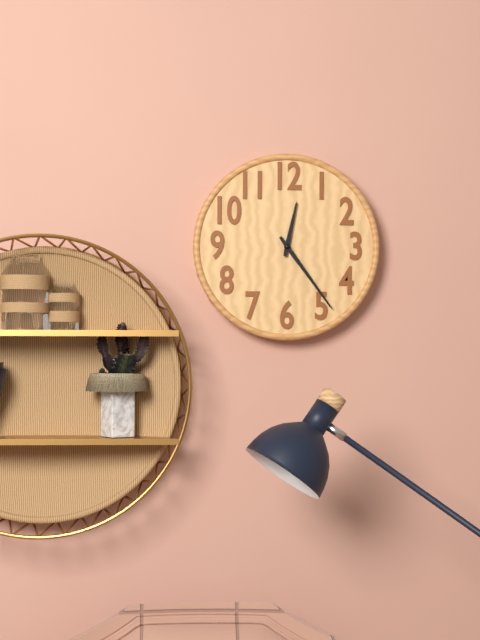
{"hour": 12, "minute": 24}
